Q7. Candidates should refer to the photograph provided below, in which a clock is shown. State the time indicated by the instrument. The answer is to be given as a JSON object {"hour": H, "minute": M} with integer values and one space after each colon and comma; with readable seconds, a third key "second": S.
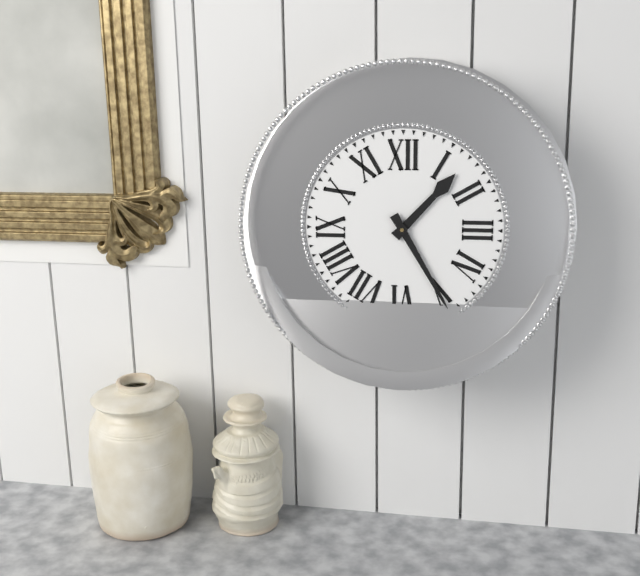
{"hour": 1, "minute": 25}
